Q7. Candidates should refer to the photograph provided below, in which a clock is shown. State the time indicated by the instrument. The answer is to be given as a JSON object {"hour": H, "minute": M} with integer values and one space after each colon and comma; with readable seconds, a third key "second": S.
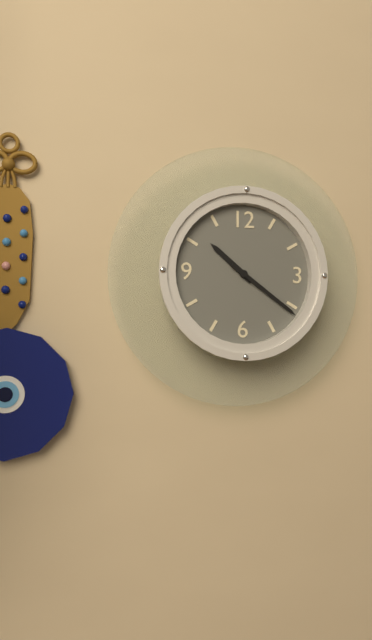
{"hour": 10, "minute": 21}
